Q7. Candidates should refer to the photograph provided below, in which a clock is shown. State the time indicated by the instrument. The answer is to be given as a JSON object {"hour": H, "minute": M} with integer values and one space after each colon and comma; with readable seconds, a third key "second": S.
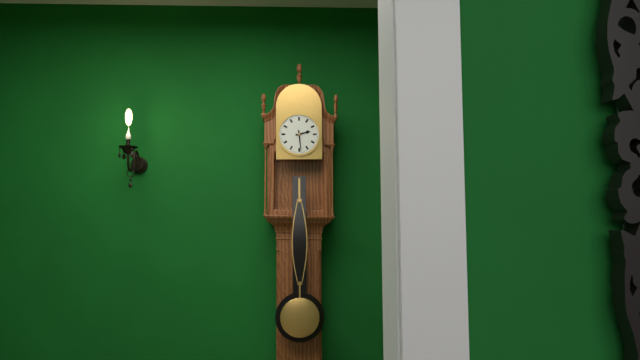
{"hour": 2, "minute": 29}
